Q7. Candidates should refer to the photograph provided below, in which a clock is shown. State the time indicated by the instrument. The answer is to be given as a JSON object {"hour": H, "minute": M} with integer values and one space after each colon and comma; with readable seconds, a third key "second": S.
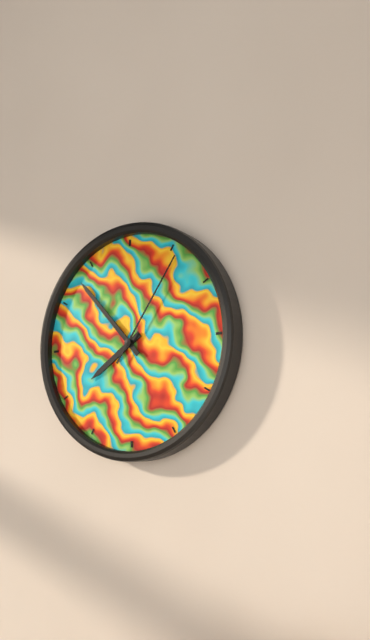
{"hour": 7, "minute": 53, "second": 6}
